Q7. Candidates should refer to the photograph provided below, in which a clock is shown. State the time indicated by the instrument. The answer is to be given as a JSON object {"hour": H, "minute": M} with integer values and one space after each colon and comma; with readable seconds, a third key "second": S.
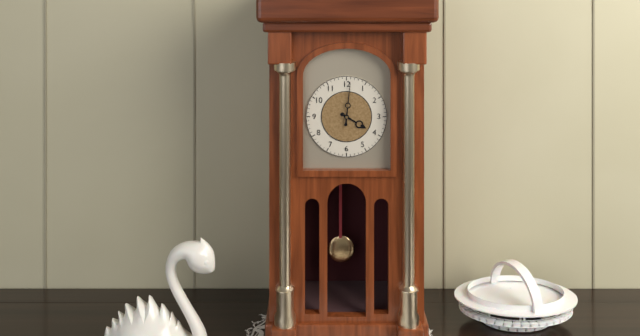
{"hour": 4, "minute": 1}
